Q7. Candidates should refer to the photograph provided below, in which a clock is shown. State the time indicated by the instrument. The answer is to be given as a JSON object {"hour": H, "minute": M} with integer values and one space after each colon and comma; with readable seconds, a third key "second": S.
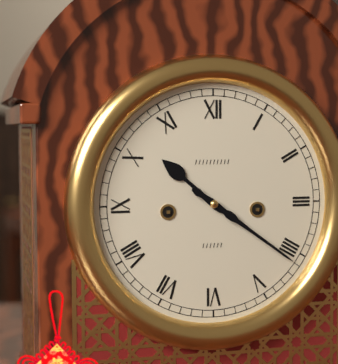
{"hour": 10, "minute": 21}
